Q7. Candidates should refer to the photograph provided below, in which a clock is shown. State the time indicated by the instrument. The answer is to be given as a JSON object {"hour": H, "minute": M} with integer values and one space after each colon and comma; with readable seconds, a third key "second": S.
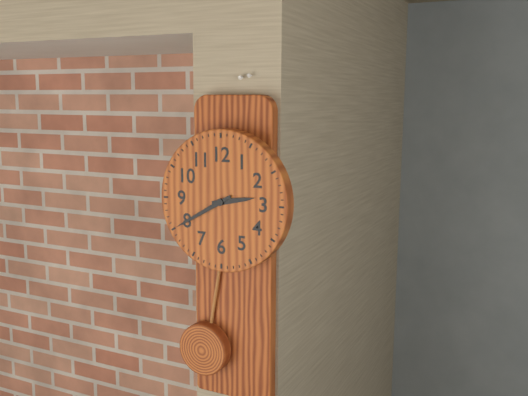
{"hour": 2, "minute": 40}
